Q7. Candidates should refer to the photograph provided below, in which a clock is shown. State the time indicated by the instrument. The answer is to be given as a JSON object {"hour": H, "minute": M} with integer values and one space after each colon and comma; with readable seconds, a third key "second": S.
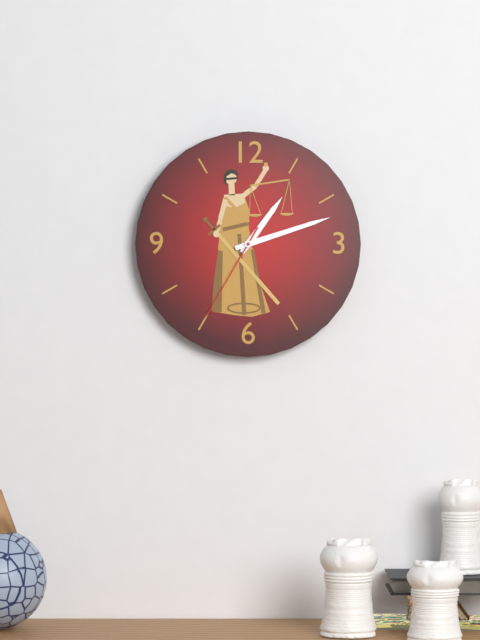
{"hour": 1, "minute": 12, "second": 35}
